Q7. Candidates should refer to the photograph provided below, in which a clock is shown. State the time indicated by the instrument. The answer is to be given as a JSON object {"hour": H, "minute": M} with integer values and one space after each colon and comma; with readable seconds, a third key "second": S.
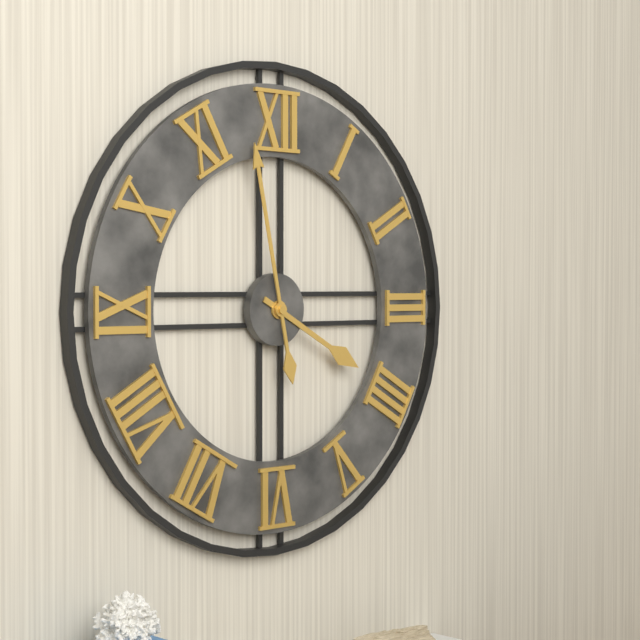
{"hour": 3, "minute": 58}
